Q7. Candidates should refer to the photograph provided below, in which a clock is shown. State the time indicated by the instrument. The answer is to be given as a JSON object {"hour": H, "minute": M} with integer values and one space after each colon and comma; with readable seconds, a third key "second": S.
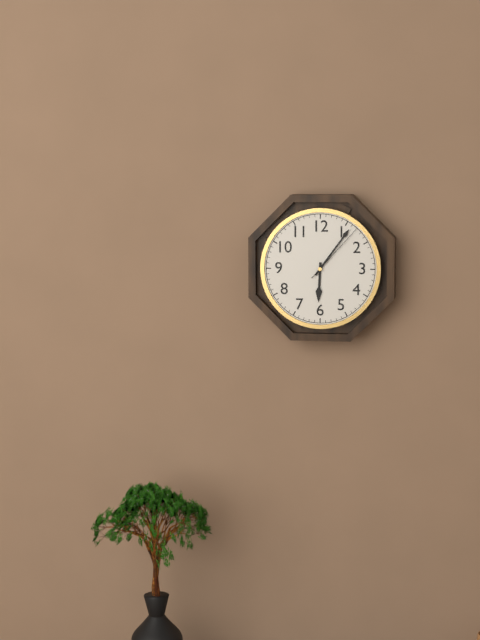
{"hour": 6, "minute": 6, "second": 7}
